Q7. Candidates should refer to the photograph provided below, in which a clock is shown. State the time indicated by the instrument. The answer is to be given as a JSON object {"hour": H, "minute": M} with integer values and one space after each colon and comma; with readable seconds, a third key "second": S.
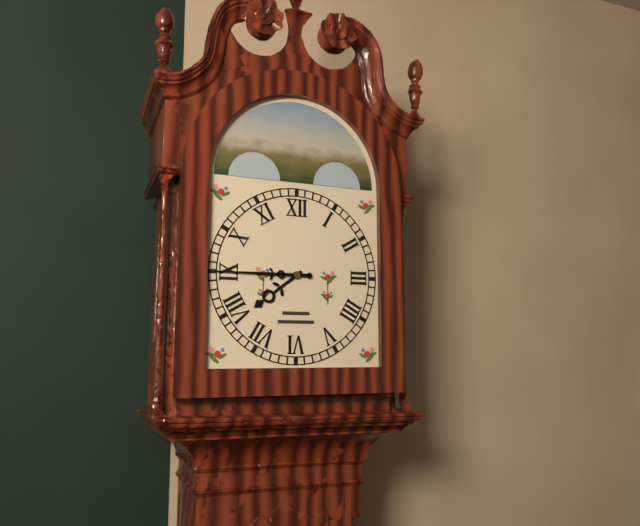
{"hour": 7, "minute": 45}
